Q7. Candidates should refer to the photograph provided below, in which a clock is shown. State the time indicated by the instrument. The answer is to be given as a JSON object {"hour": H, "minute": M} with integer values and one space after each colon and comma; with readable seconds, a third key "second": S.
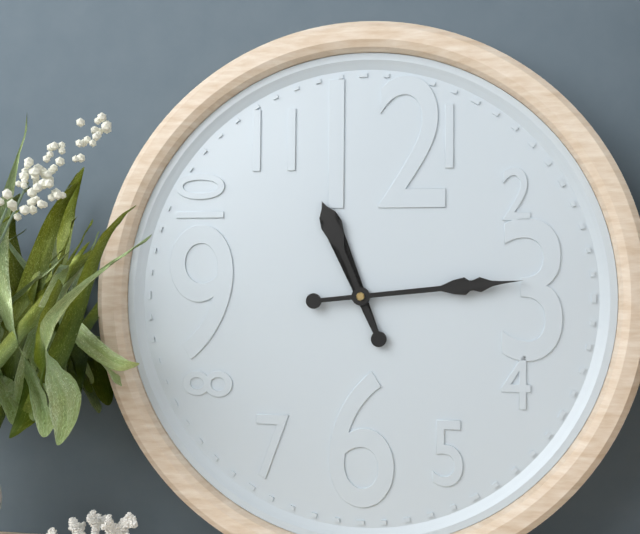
{"hour": 11, "minute": 14}
